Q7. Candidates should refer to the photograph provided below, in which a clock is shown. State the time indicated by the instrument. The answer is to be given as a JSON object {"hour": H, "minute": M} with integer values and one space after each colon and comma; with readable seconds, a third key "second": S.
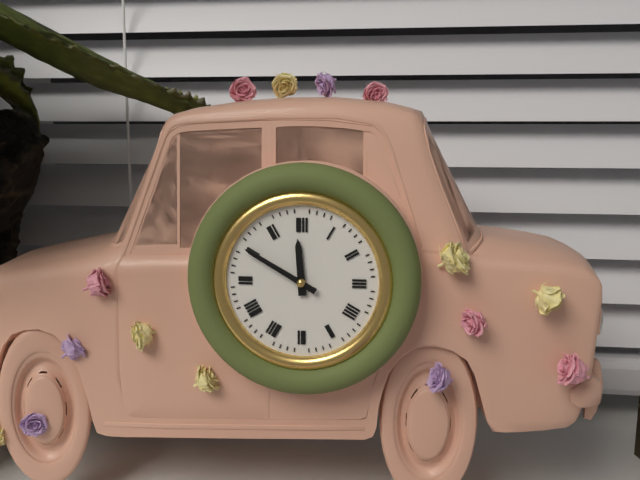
{"hour": 11, "minute": 50}
